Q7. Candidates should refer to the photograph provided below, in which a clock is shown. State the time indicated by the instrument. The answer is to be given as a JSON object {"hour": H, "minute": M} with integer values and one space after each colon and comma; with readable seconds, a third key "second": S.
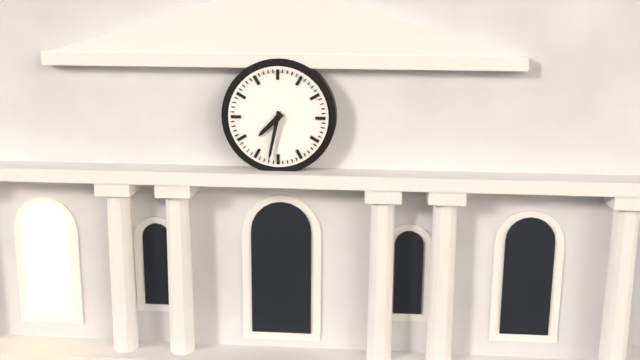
{"hour": 7, "minute": 32}
